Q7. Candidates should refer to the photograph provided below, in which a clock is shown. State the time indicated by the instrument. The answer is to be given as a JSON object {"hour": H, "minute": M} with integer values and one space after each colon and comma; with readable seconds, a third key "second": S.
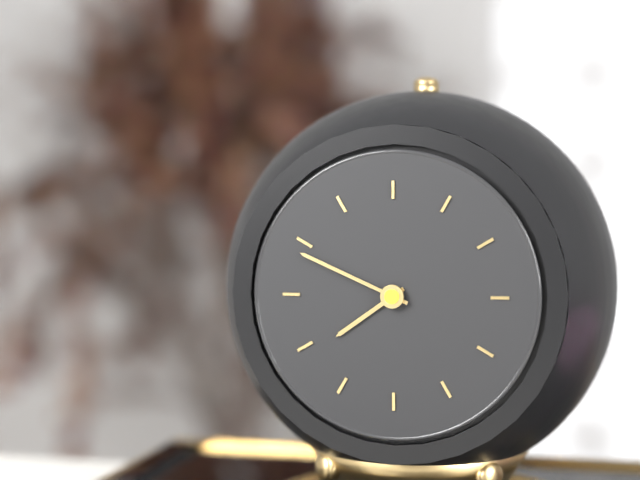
{"hour": 7, "minute": 49}
